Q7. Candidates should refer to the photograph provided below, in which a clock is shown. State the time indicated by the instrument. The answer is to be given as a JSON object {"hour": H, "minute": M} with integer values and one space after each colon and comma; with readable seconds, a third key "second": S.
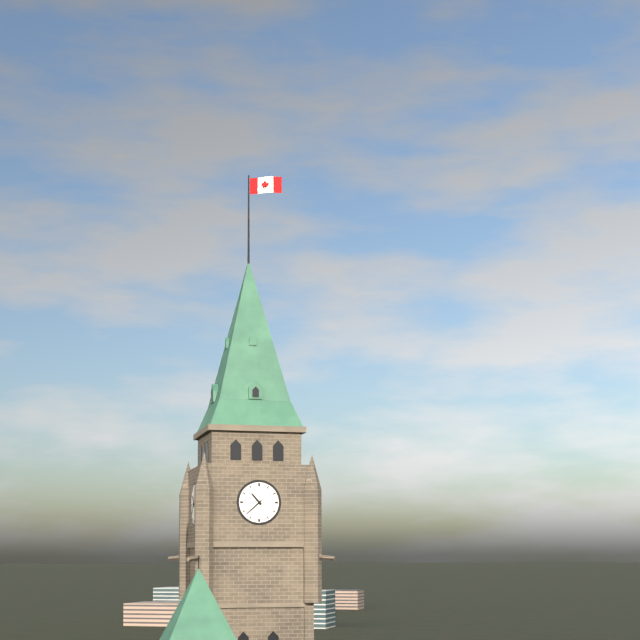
{"hour": 10, "minute": 38}
